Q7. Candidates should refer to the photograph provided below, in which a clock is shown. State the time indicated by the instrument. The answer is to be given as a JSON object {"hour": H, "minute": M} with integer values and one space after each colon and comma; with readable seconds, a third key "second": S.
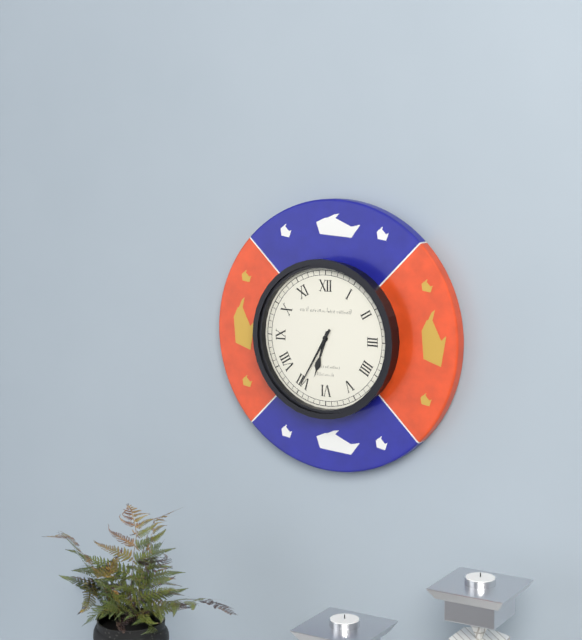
{"hour": 6, "minute": 35}
